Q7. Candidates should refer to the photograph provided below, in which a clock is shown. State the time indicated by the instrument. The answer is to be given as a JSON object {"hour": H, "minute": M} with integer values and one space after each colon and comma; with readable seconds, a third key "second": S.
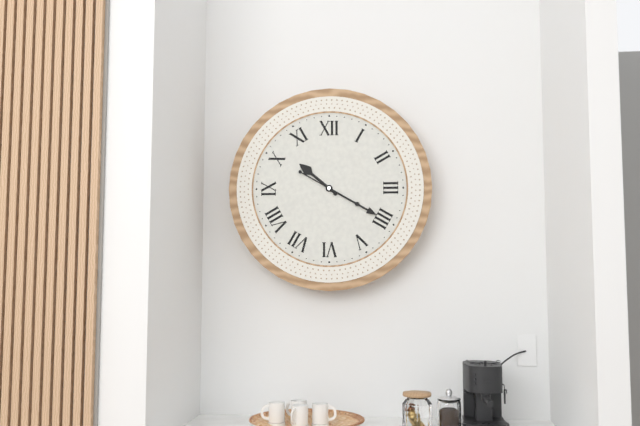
{"hour": 10, "minute": 20}
